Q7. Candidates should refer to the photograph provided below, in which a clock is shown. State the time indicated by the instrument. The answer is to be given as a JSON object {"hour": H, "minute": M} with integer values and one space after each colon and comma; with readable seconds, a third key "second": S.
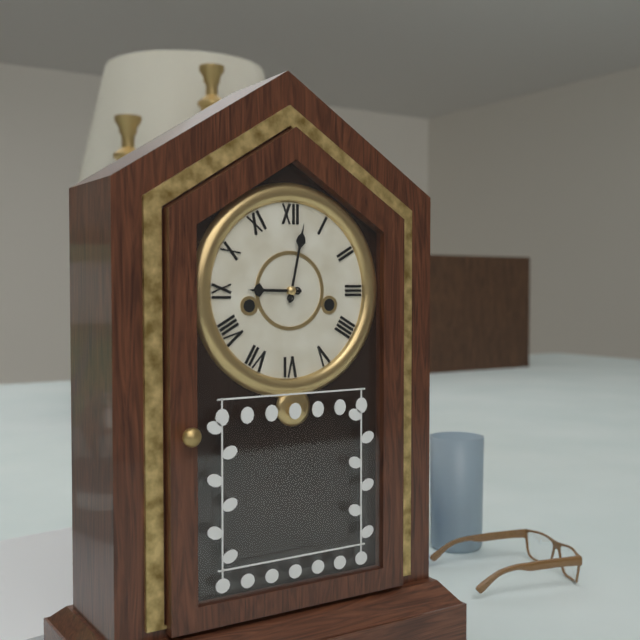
{"hour": 9, "minute": 2}
